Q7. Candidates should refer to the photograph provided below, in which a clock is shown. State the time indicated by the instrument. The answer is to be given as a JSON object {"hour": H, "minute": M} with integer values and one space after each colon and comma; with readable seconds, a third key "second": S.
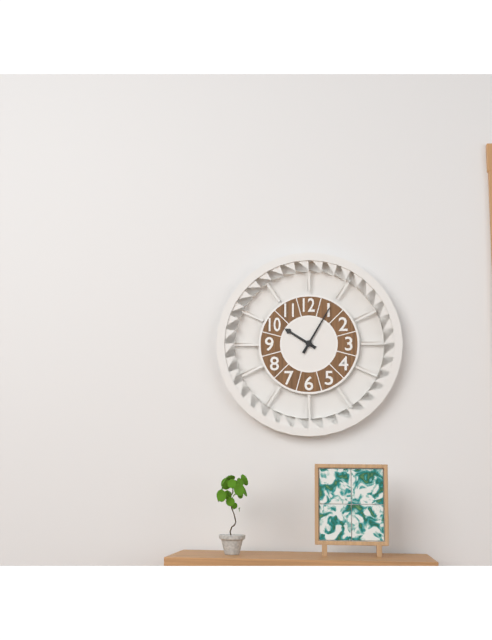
{"hour": 10, "minute": 5}
